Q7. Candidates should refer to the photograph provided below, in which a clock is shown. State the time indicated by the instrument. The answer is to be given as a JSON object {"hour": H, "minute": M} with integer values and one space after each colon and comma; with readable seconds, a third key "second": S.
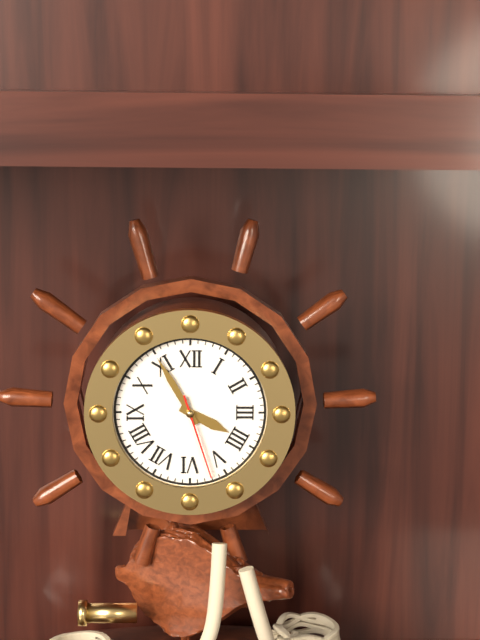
{"hour": 3, "minute": 55, "second": 27}
